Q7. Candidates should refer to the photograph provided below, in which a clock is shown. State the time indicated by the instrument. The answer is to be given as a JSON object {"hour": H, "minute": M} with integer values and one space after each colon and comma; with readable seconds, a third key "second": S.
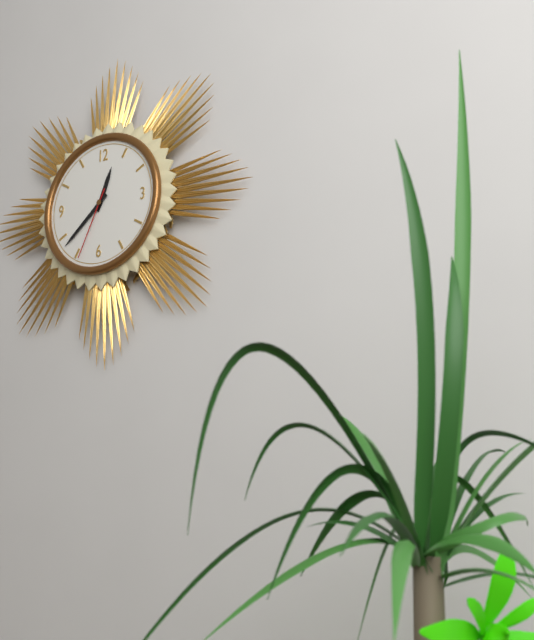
{"hour": 12, "minute": 38, "second": 34}
